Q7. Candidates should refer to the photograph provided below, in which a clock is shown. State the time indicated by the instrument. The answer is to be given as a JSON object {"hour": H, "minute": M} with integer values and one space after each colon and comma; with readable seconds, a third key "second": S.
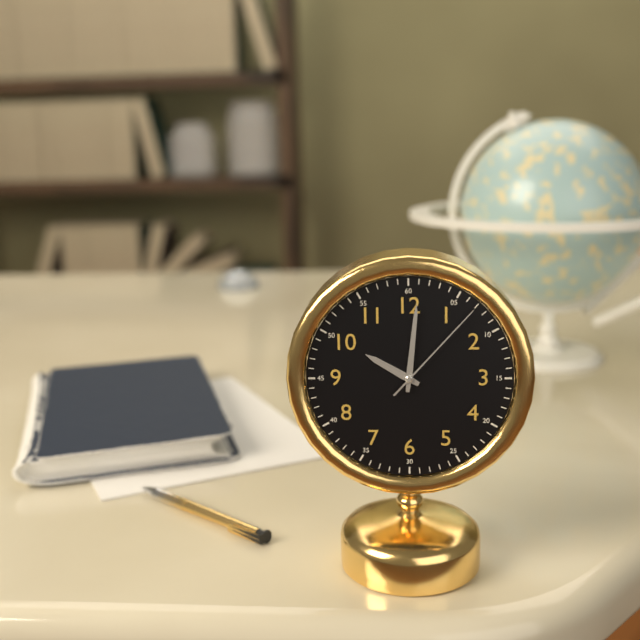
{"hour": 10, "minute": 1, "second": 7}
